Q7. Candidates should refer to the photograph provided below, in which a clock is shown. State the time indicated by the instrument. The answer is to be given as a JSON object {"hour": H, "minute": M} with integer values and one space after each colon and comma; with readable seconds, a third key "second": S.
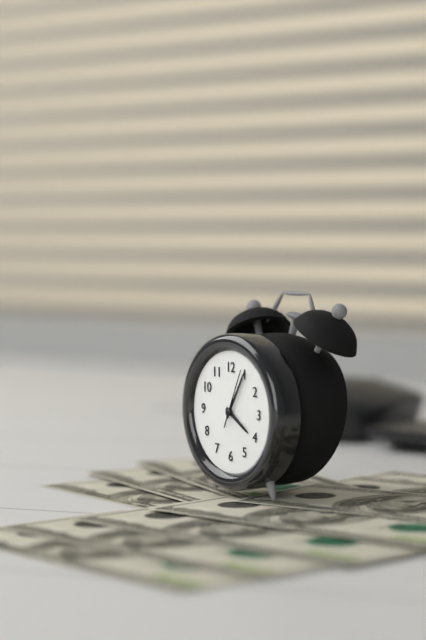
{"hour": 4, "minute": 5, "second": 4}
